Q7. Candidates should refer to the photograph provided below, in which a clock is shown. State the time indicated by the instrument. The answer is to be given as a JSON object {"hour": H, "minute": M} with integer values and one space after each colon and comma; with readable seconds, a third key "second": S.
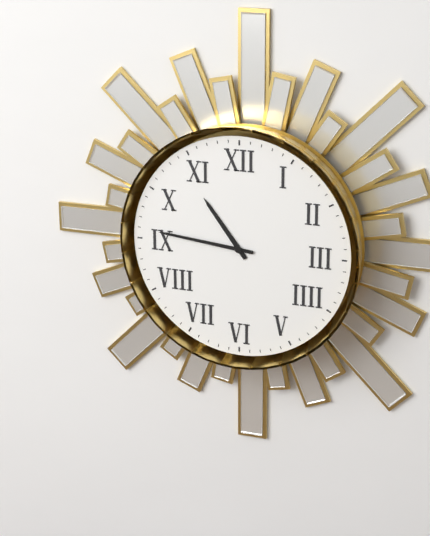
{"hour": 10, "minute": 46}
